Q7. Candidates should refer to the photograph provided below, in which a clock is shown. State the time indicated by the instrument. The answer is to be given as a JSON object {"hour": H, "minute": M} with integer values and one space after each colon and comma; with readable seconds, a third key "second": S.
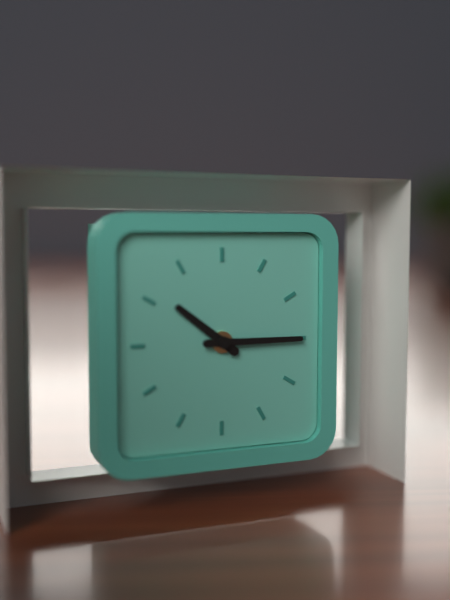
{"hour": 10, "minute": 15}
